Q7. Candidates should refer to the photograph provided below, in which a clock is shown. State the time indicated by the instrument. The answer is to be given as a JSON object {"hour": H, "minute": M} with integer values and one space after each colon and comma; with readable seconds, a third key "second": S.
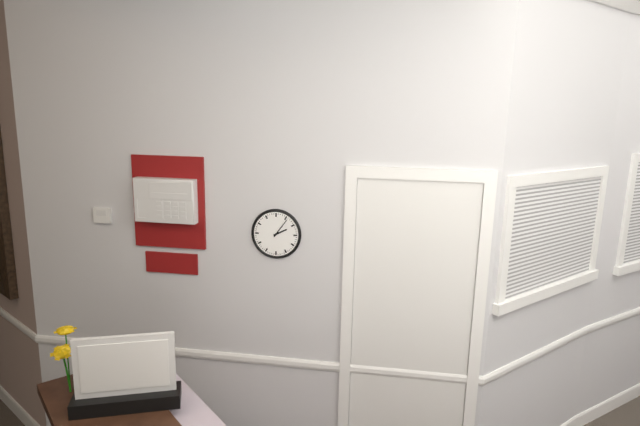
{"hour": 2, "minute": 6}
